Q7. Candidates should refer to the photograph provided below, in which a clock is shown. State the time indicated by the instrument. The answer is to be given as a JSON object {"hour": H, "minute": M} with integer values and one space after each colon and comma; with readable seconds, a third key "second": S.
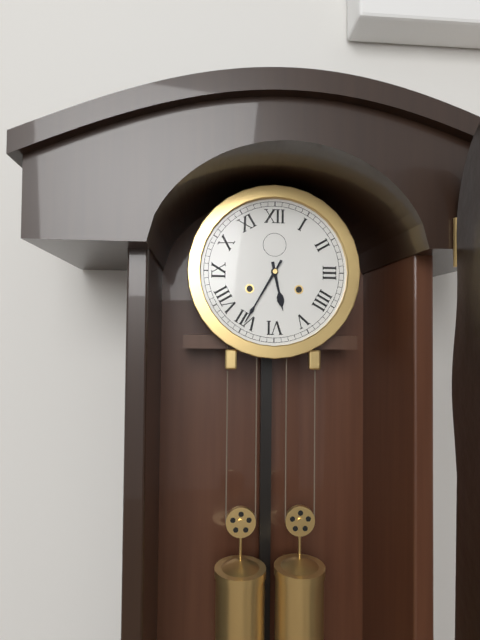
{"hour": 5, "minute": 35}
